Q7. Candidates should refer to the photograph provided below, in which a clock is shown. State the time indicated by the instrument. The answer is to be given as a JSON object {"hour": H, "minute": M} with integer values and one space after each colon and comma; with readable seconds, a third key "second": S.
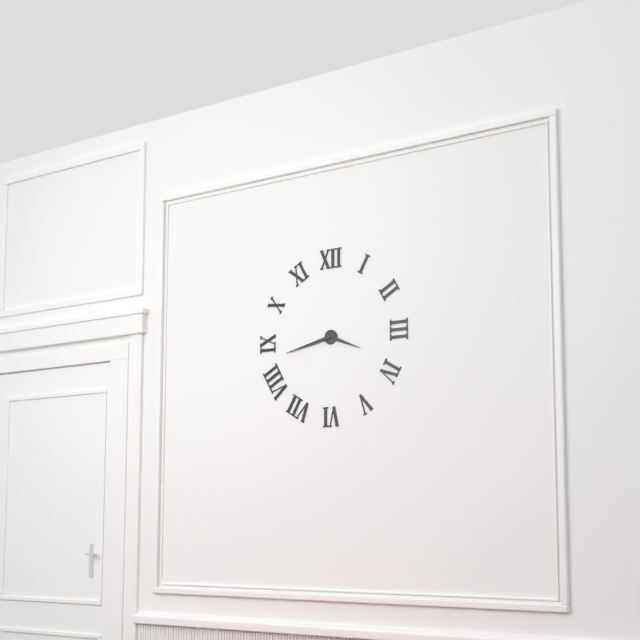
{"hour": 3, "minute": 43}
